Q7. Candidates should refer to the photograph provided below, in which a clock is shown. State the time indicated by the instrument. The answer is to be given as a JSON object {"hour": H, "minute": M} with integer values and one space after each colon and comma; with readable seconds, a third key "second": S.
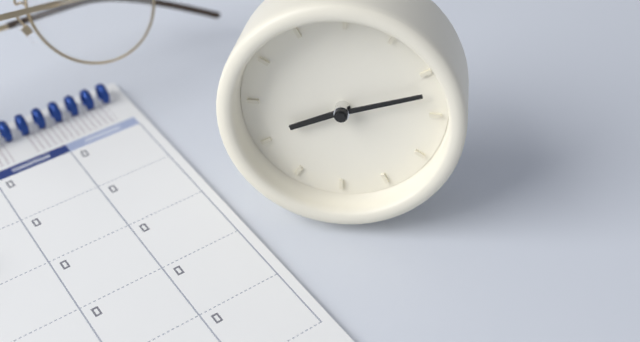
{"hour": 8, "minute": 12}
